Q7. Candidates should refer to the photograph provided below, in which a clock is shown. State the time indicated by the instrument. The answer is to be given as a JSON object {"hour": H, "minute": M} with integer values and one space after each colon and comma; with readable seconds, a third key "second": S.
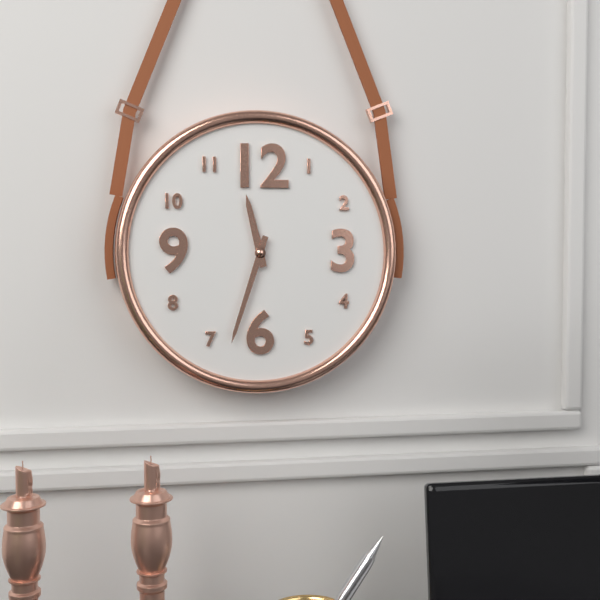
{"hour": 11, "minute": 33}
